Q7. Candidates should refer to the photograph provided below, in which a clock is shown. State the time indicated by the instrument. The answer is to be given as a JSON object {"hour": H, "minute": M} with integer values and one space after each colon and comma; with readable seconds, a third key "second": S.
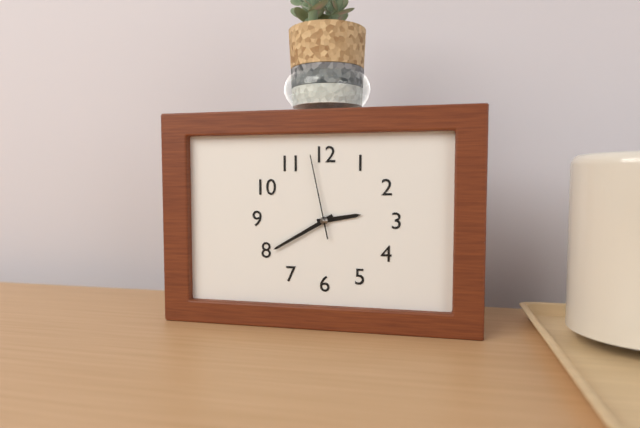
{"hour": 2, "minute": 40, "second": 58}
